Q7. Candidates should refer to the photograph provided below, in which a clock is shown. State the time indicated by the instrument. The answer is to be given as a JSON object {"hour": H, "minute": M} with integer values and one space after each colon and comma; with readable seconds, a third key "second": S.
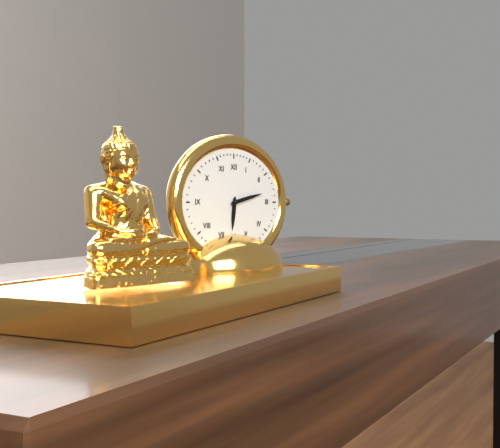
{"hour": 6, "minute": 13}
